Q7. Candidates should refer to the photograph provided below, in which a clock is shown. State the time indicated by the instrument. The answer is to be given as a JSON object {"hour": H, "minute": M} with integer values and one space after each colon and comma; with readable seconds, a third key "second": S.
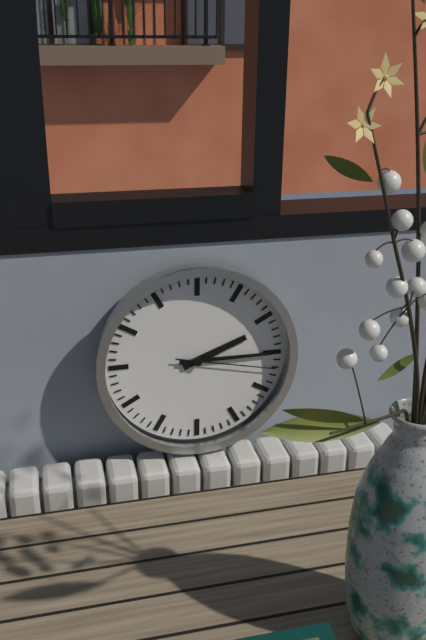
{"hour": 2, "minute": 15, "second": 17}
